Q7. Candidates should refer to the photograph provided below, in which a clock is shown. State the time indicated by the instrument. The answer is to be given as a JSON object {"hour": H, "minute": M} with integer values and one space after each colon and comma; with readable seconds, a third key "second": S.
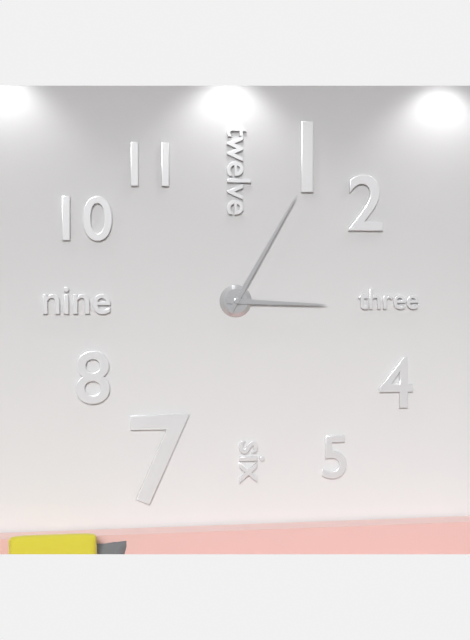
{"hour": 3, "minute": 5}
